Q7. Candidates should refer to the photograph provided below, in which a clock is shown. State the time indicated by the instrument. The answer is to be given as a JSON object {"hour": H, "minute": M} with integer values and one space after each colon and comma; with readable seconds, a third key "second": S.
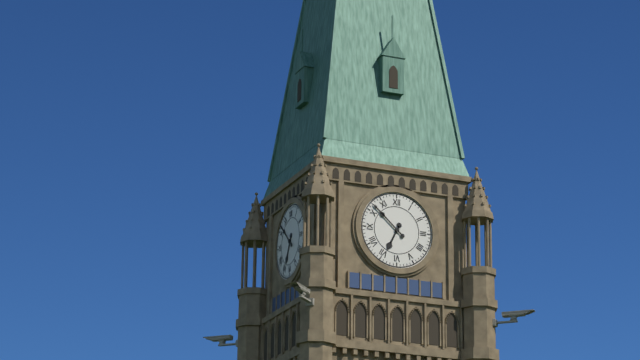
{"hour": 6, "minute": 52}
